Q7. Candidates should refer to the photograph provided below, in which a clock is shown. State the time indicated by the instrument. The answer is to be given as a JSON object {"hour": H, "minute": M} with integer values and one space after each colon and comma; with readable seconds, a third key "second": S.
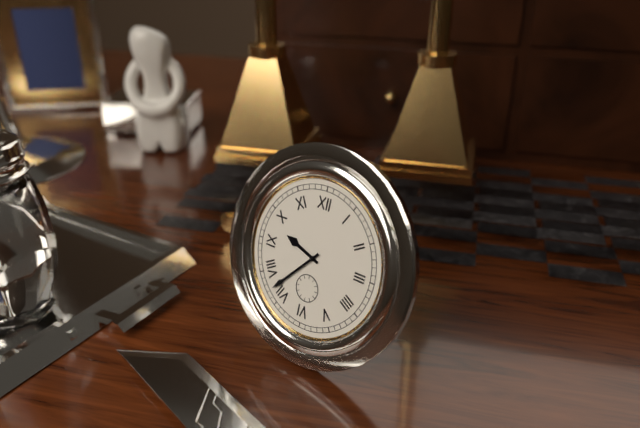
{"hour": 9, "minute": 37}
